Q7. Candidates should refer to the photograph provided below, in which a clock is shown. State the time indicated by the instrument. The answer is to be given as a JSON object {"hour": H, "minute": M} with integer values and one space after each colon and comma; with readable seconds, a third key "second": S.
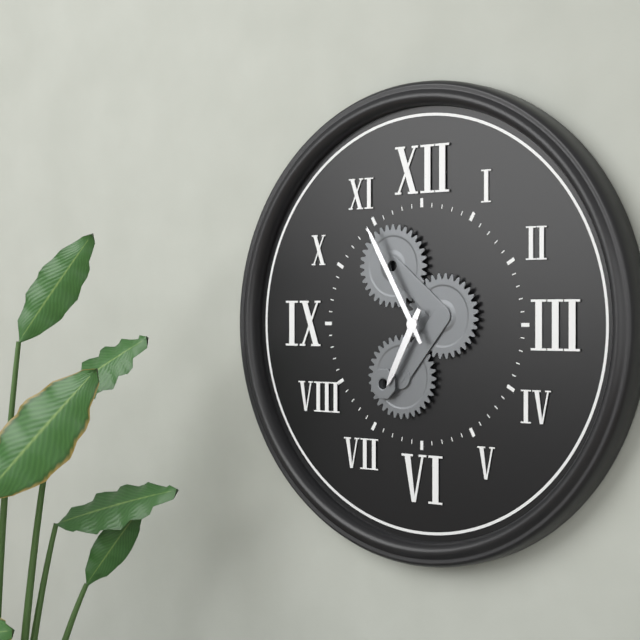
{"hour": 6, "minute": 55}
